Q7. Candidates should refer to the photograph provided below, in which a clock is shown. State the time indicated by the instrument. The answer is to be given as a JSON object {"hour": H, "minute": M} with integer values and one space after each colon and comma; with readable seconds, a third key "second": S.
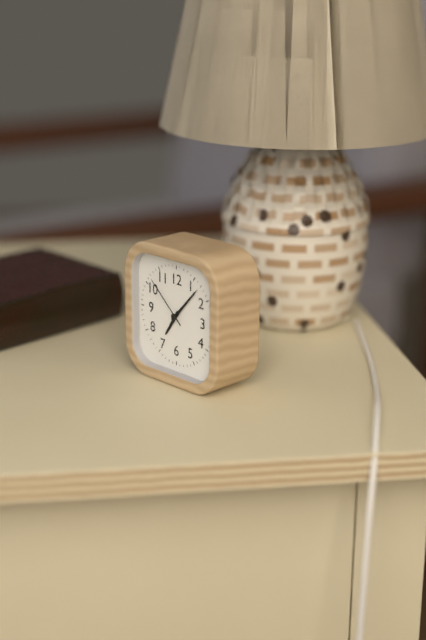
{"hour": 7, "minute": 7, "second": 52}
